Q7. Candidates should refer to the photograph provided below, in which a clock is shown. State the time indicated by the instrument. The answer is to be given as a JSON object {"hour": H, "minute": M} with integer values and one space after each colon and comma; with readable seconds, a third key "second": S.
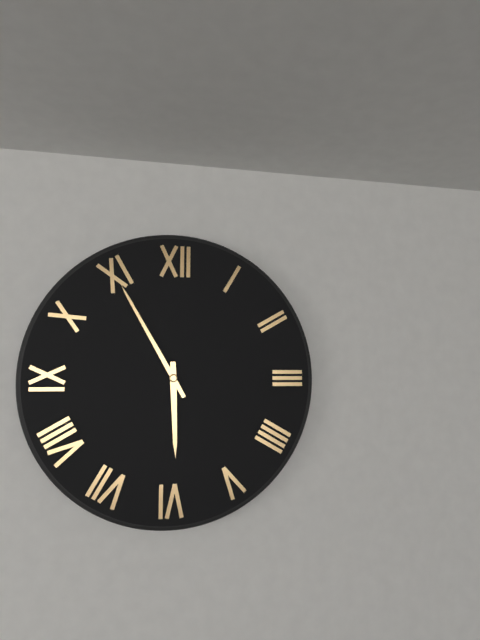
{"hour": 5, "minute": 55}
